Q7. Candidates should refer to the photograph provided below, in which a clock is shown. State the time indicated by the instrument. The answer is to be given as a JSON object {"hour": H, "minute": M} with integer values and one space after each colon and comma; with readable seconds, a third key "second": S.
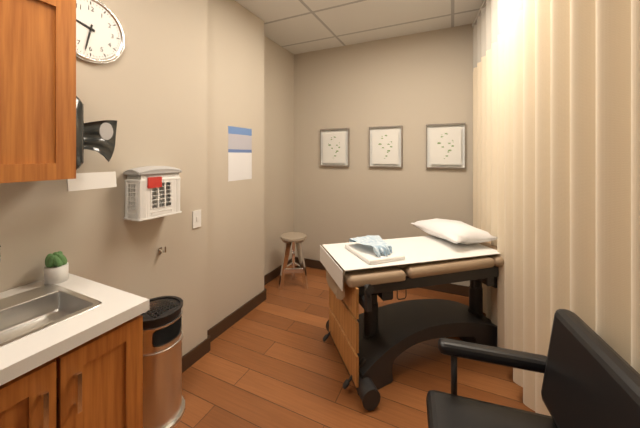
{"hour": 9, "minute": 32}
